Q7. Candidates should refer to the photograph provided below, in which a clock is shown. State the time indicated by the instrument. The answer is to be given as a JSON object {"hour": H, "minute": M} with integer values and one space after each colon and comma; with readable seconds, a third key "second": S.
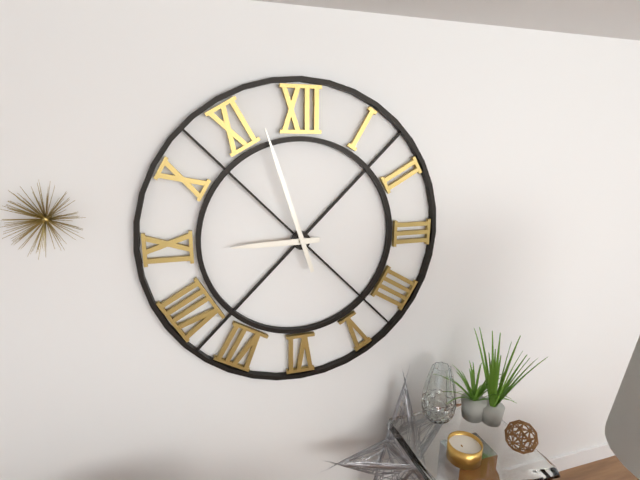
{"hour": 8, "minute": 57}
